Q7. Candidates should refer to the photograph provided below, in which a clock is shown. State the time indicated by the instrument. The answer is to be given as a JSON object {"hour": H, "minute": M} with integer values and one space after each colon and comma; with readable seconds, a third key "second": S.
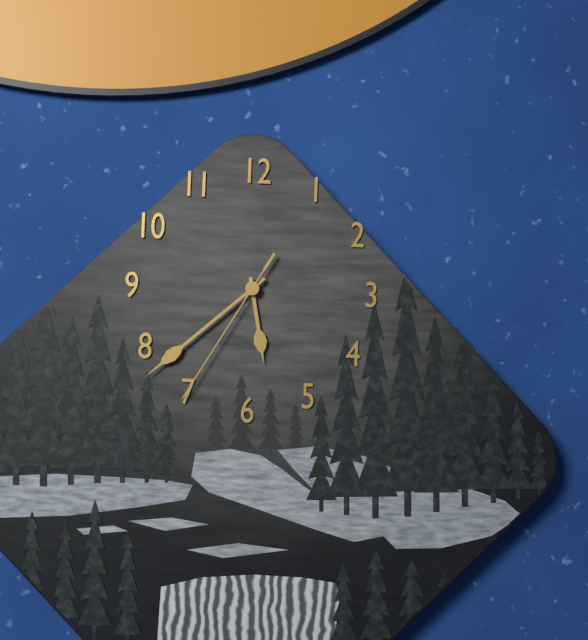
{"hour": 5, "minute": 38, "second": 35}
